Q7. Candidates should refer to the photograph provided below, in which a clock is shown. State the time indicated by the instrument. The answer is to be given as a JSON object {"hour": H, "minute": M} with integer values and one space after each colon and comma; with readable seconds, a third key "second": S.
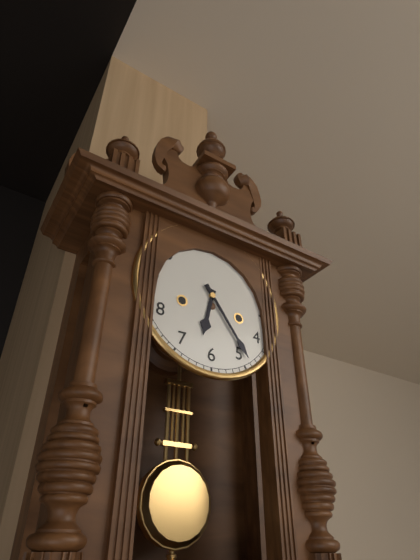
{"hour": 6, "minute": 24}
